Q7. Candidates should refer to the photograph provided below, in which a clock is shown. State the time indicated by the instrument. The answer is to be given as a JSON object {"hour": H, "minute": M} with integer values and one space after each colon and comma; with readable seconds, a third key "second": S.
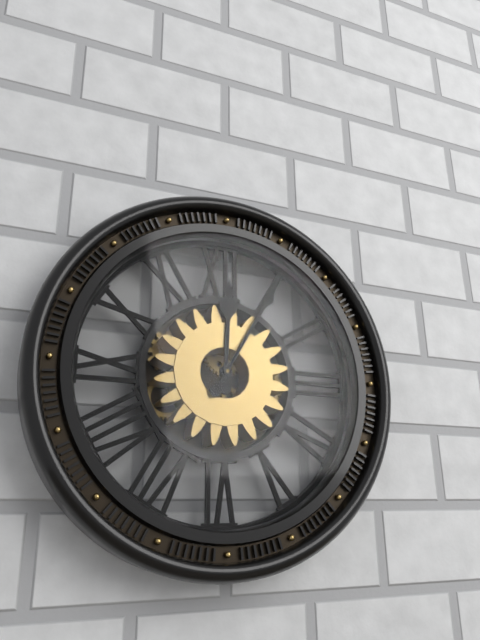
{"hour": 12, "minute": 5}
